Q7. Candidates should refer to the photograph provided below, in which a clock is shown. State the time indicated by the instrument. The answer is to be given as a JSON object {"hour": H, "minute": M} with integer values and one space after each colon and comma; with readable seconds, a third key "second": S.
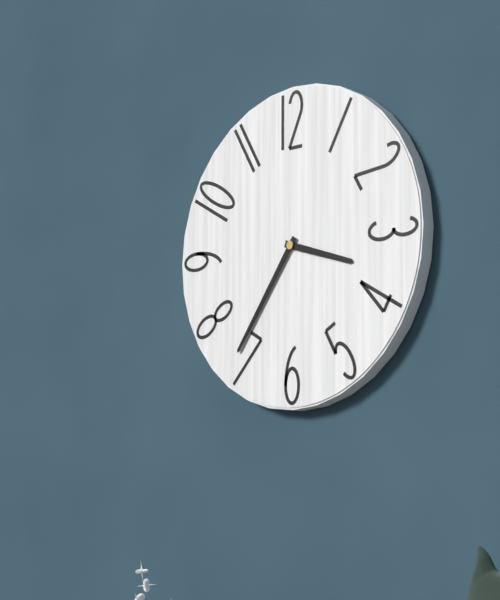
{"hour": 3, "minute": 36}
